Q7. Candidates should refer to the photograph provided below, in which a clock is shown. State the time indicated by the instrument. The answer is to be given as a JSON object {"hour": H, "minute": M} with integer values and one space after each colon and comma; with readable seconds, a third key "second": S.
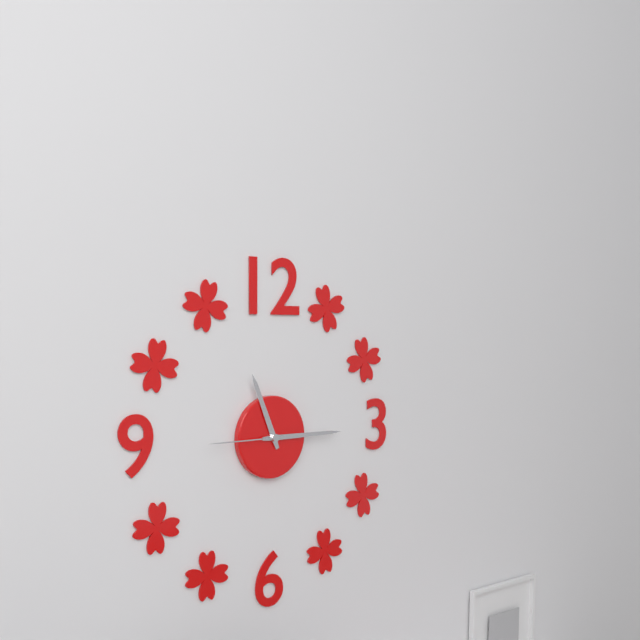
{"hour": 11, "minute": 15, "second": 45}
